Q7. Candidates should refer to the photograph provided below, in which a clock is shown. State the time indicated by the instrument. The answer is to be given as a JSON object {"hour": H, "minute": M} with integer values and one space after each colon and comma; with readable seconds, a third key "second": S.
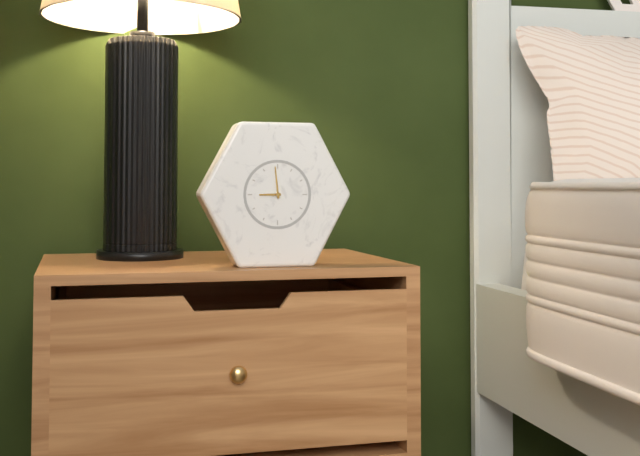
{"hour": 8, "minute": 59}
